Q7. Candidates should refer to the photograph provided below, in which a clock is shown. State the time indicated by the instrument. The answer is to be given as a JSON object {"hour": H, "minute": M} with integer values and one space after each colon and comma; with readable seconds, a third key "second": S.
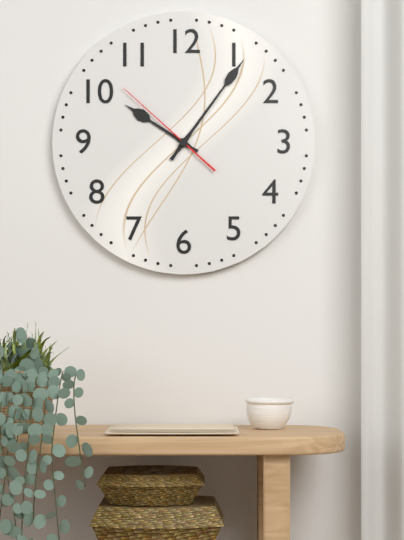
{"hour": 10, "minute": 6, "second": 52}
